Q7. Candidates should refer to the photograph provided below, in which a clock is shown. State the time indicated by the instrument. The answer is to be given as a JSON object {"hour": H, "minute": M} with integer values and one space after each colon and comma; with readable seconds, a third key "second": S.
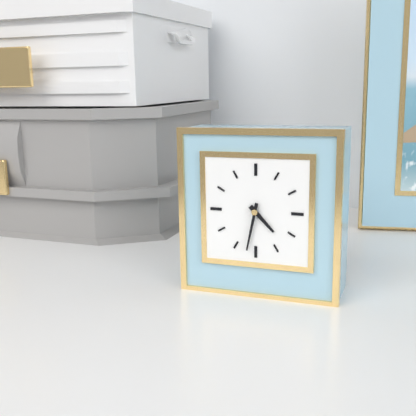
{"hour": 4, "minute": 32}
